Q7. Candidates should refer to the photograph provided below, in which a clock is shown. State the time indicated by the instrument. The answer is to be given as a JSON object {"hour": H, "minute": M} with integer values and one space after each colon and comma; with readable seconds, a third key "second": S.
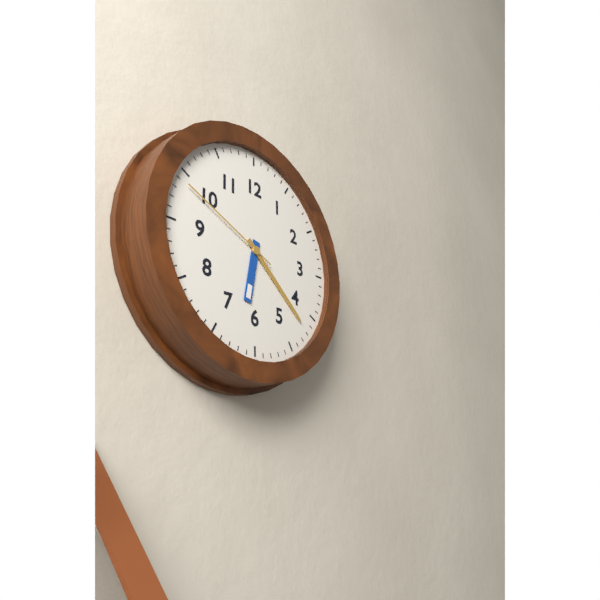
{"hour": 6, "minute": 22, "second": 49}
